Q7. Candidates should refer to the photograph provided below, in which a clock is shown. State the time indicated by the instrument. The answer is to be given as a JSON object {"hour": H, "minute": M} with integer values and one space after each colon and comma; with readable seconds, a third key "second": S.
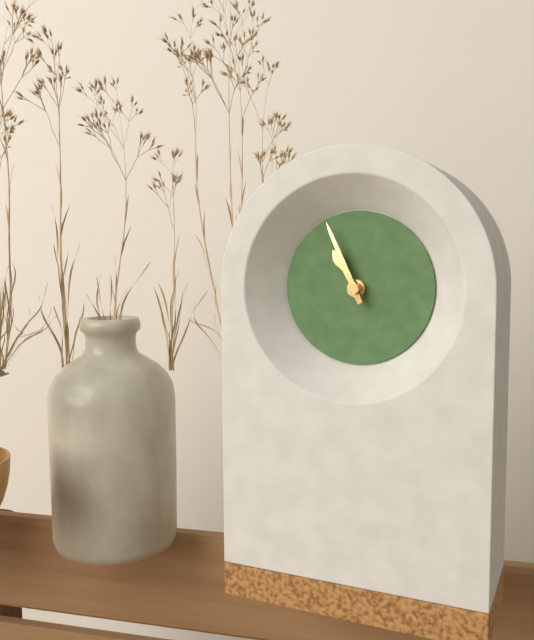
{"hour": 10, "minute": 56}
